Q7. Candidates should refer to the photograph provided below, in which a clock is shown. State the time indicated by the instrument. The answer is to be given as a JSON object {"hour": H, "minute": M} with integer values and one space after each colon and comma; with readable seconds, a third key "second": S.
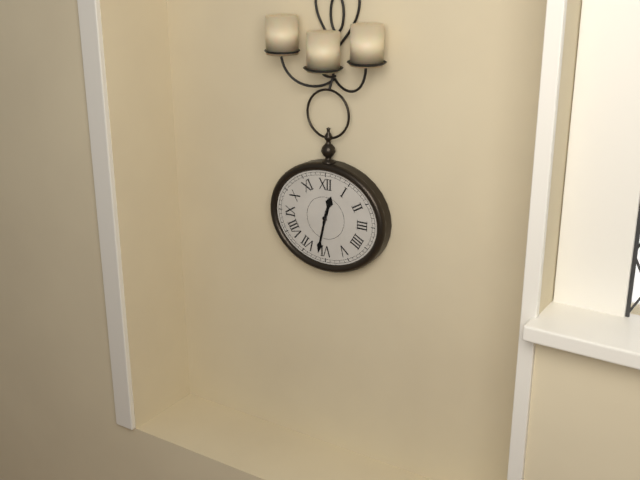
{"hour": 12, "minute": 32}
